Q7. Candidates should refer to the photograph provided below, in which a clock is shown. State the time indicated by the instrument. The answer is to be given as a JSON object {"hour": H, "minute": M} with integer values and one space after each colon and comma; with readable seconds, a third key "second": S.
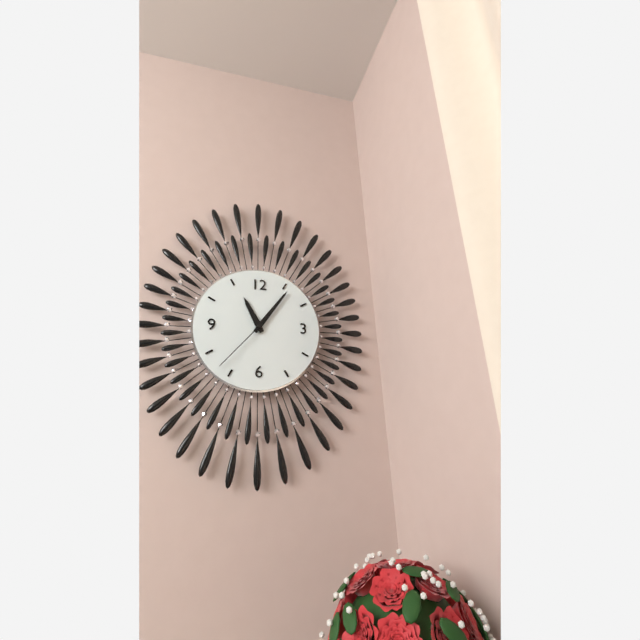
{"hour": 11, "minute": 6, "second": 37}
